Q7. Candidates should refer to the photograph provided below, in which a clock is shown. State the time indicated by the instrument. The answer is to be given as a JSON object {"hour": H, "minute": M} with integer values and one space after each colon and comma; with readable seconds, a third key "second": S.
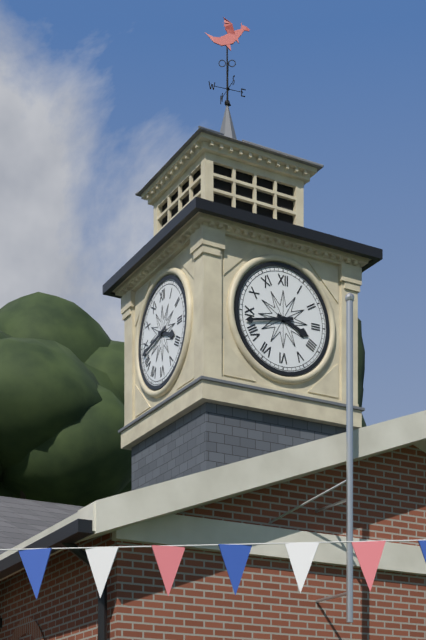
{"hour": 3, "minute": 43}
